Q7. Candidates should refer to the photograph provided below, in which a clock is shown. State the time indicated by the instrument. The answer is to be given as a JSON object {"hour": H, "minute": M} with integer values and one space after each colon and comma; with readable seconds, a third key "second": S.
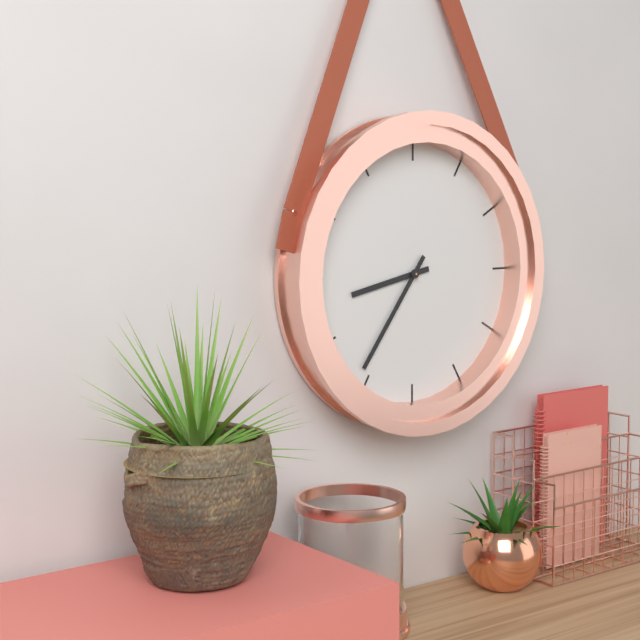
{"hour": 8, "minute": 36}
